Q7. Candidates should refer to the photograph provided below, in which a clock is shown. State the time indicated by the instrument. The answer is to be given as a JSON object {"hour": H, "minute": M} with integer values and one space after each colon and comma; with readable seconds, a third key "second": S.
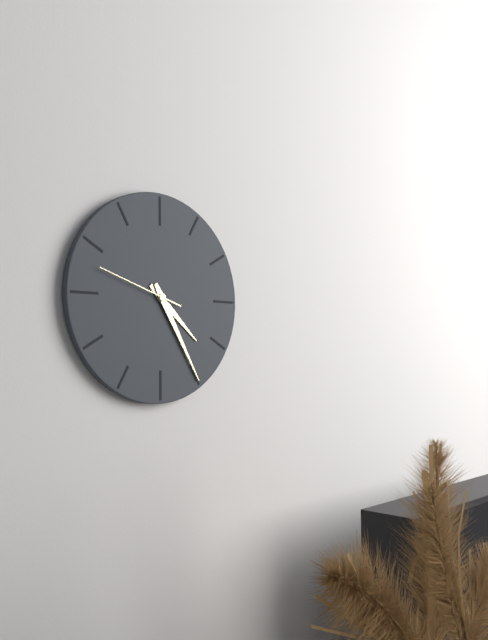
{"hour": 4, "minute": 25, "second": 48}
